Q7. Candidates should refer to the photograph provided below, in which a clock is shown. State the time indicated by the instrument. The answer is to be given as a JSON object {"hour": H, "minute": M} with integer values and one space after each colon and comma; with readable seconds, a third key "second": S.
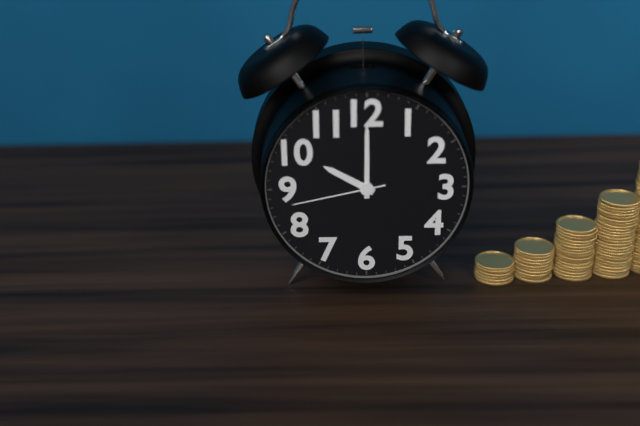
{"hour": 10, "minute": 0, "second": 43}
